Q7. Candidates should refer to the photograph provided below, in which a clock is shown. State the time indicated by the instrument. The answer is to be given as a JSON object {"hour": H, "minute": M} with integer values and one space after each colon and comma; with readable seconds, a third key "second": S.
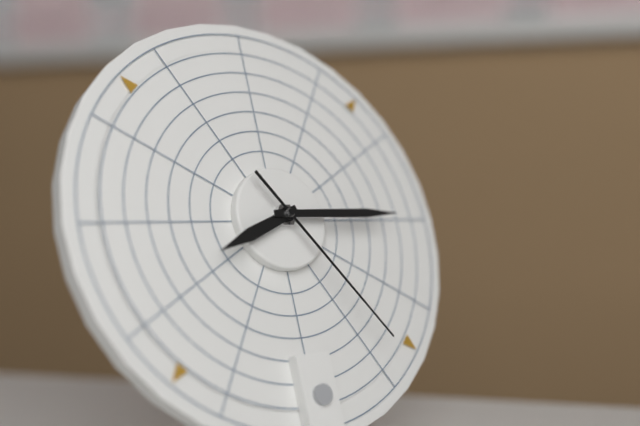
{"hour": 8, "minute": 15, "second": 24}
